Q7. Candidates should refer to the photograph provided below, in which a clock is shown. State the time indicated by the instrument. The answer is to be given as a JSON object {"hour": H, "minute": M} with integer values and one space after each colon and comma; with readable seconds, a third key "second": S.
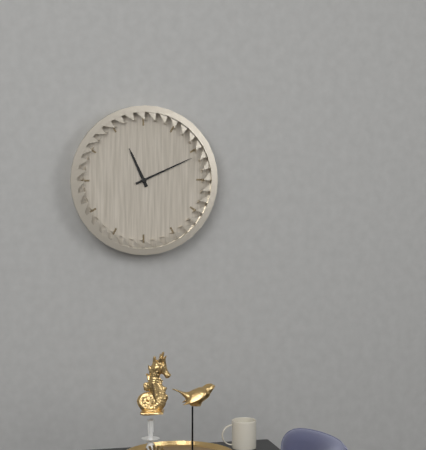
{"hour": 11, "minute": 11}
